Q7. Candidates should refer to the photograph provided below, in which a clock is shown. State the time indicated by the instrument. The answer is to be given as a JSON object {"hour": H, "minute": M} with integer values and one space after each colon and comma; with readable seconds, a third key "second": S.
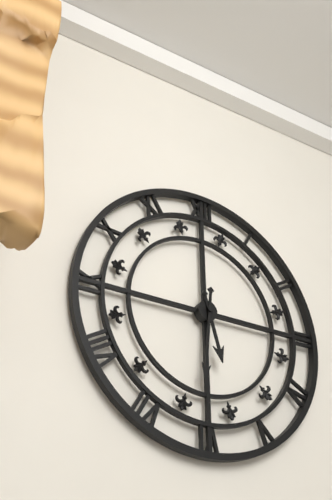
{"hour": 5, "minute": 31}
